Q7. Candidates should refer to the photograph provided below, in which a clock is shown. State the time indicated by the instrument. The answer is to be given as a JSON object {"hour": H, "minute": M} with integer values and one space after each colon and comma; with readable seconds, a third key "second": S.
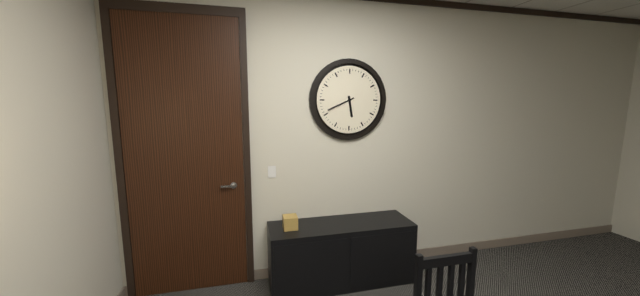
{"hour": 5, "minute": 41}
